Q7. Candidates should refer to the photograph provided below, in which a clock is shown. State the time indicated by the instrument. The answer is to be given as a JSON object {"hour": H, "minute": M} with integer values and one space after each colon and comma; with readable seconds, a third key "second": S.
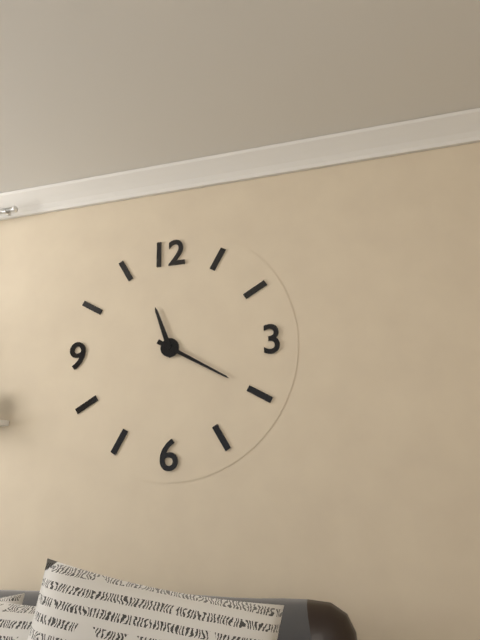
{"hour": 11, "minute": 20}
